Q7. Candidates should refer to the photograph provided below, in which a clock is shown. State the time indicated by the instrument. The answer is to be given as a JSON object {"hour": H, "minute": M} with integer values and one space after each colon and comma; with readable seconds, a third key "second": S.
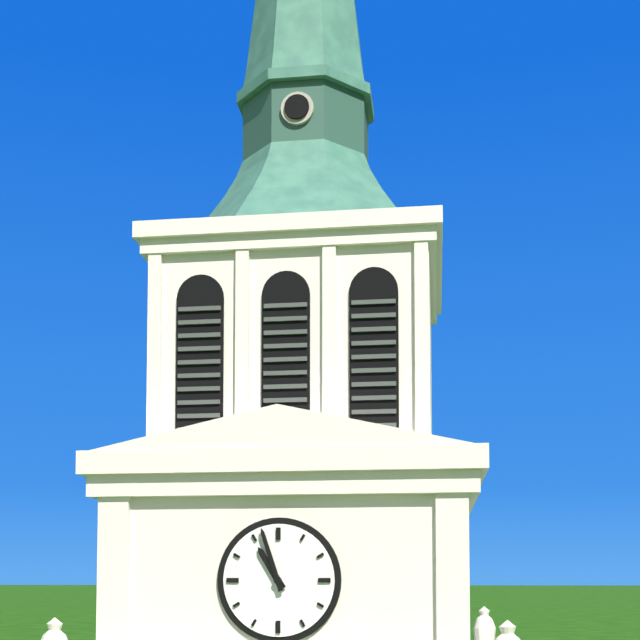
{"hour": 10, "minute": 57}
